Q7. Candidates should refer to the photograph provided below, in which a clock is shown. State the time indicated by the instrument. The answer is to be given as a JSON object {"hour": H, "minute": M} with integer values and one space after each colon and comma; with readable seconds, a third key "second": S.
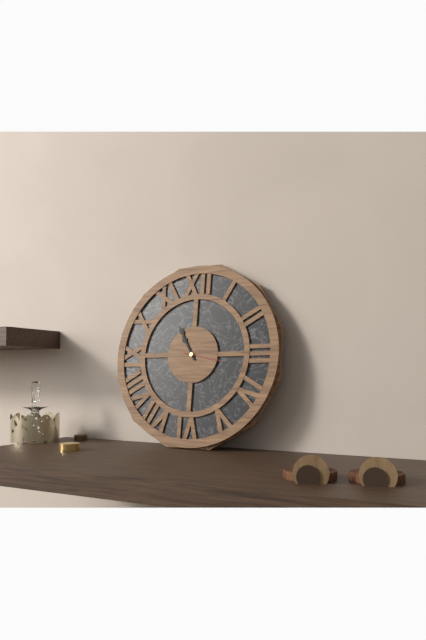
{"hour": 10, "minute": 55}
